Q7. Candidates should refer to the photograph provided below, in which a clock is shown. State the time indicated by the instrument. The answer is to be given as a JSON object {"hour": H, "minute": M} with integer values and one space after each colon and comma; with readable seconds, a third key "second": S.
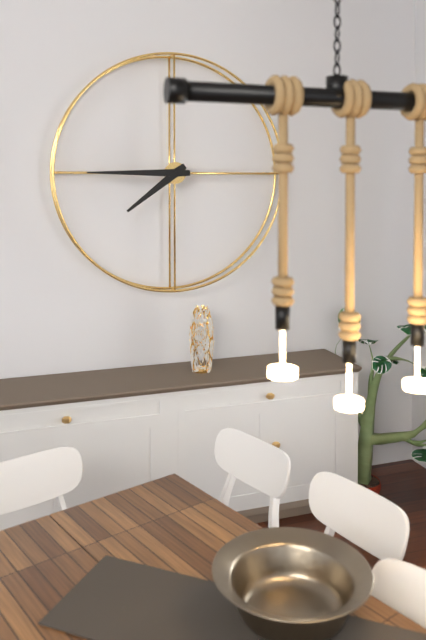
{"hour": 7, "minute": 45}
